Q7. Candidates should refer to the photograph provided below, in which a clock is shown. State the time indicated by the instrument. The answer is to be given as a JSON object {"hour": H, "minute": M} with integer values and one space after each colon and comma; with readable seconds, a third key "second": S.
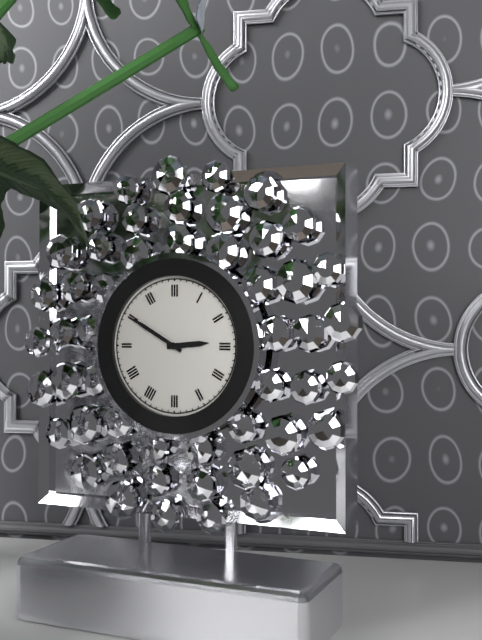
{"hour": 2, "minute": 50}
